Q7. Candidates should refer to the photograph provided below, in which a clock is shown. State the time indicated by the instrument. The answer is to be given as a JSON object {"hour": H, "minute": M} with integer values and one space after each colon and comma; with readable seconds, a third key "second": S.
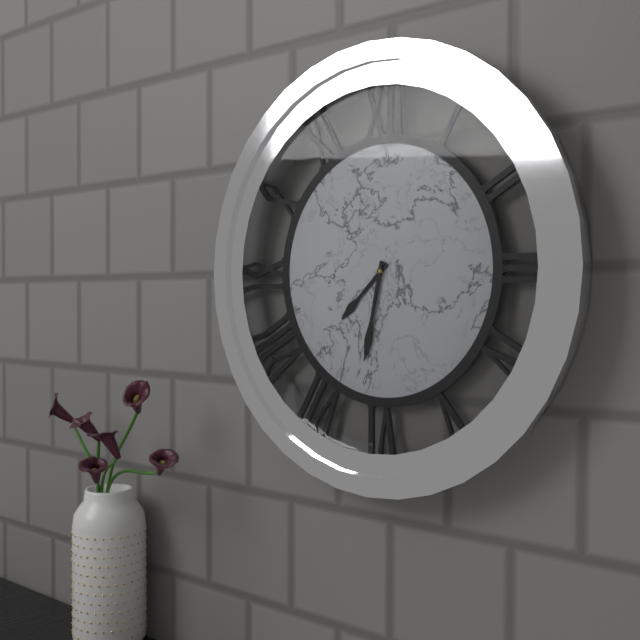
{"hour": 7, "minute": 32}
